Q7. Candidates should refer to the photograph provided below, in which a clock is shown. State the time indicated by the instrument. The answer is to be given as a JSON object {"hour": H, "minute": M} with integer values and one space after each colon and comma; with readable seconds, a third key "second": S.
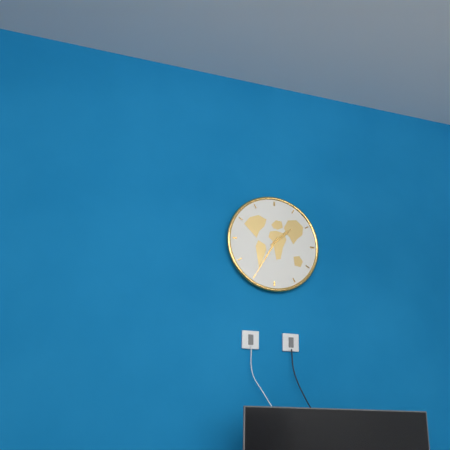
{"hour": 1, "minute": 35}
